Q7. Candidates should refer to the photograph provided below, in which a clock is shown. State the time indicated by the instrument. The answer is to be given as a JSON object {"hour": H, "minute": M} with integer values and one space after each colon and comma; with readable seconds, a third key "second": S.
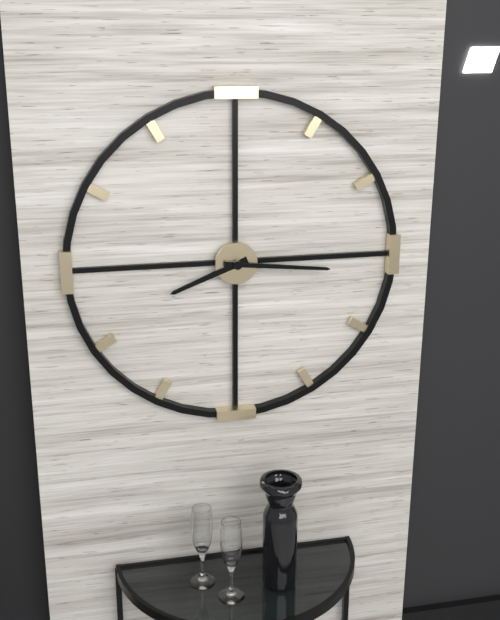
{"hour": 8, "minute": 16}
